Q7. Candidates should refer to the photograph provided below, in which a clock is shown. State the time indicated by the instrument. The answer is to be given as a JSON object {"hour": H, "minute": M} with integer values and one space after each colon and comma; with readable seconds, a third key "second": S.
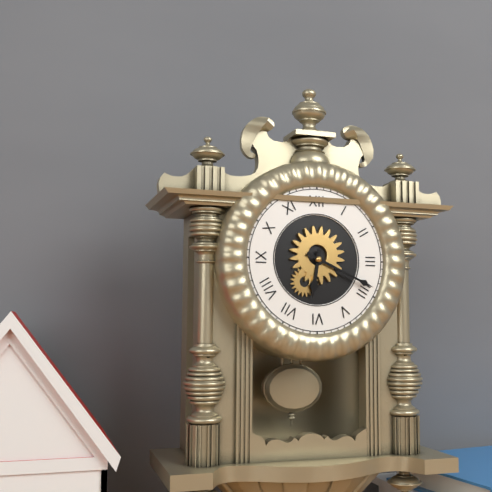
{"hour": 6, "minute": 19}
